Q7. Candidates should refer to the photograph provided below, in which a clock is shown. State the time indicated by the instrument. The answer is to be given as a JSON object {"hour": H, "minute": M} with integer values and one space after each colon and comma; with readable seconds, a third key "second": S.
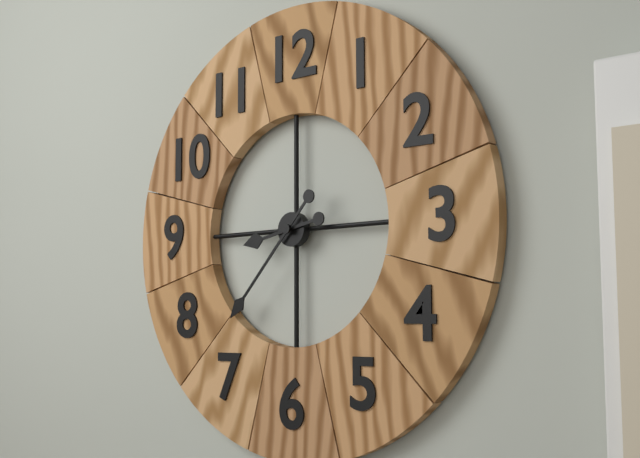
{"hour": 8, "minute": 37}
